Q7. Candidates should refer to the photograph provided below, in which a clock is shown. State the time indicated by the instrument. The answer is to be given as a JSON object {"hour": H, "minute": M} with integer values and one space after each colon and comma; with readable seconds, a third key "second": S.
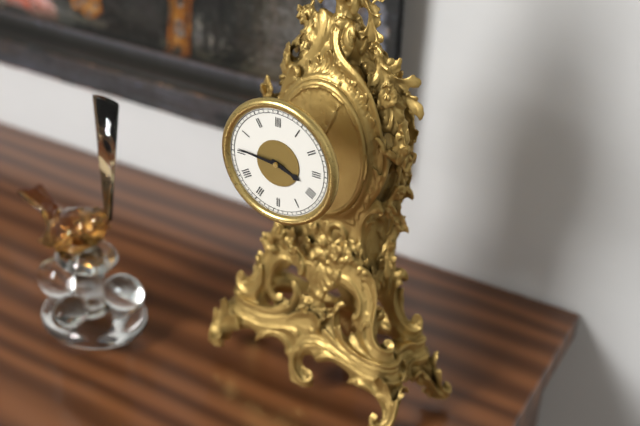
{"hour": 3, "minute": 46}
